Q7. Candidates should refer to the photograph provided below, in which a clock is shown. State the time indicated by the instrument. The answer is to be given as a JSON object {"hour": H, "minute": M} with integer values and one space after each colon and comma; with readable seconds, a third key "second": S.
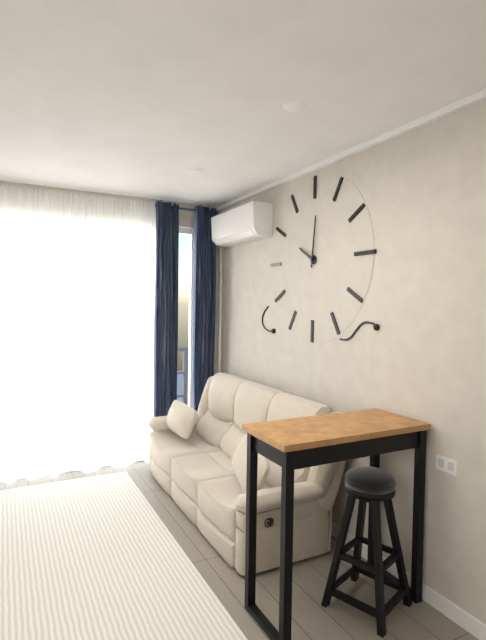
{"hour": 10, "minute": 1}
